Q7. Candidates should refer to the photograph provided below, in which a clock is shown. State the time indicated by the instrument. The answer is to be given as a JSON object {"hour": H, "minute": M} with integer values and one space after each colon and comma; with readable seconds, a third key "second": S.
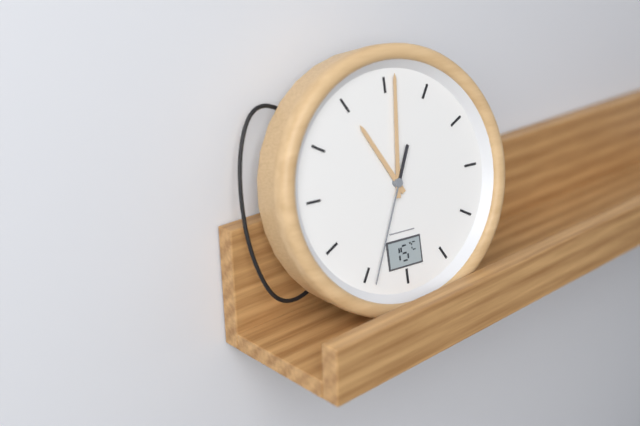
{"hour": 11, "minute": 1, "second": 34}
